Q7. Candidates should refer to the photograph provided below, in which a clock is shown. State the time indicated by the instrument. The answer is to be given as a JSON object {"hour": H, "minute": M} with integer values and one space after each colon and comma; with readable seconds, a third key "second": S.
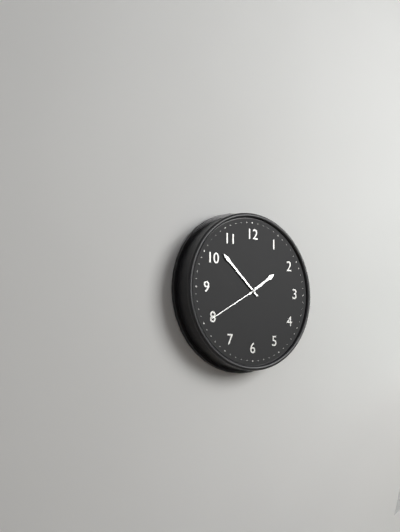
{"hour": 1, "minute": 52, "second": 40}
